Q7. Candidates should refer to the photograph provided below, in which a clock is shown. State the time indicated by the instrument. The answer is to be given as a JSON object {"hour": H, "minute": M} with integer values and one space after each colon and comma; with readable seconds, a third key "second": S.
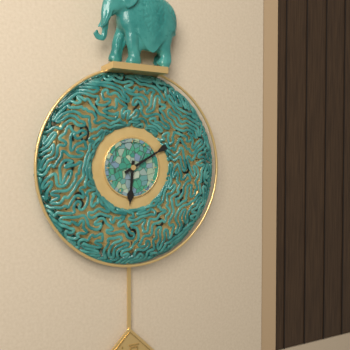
{"hour": 6, "minute": 10}
